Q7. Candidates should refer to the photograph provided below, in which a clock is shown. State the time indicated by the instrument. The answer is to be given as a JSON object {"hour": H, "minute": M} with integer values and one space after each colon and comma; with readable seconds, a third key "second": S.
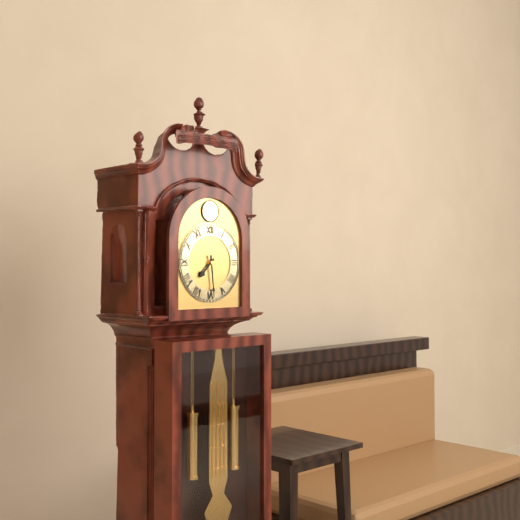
{"hour": 7, "minute": 29}
